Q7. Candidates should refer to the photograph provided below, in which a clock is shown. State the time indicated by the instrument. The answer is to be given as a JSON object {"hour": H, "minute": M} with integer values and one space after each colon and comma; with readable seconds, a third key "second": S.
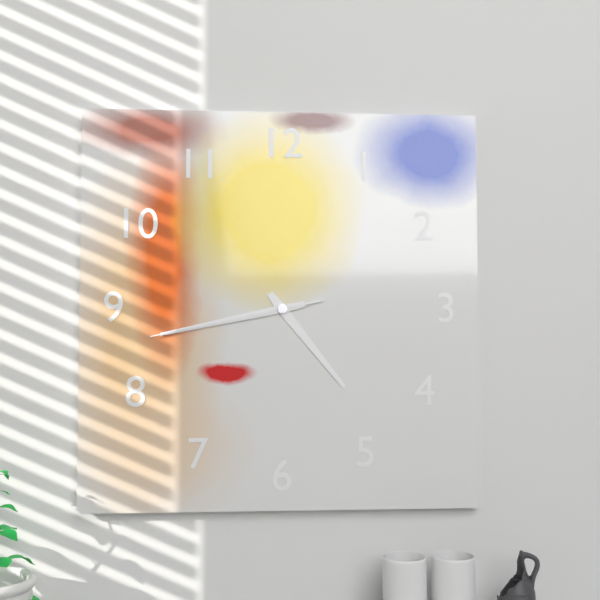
{"hour": 4, "minute": 43, "second": 43}
